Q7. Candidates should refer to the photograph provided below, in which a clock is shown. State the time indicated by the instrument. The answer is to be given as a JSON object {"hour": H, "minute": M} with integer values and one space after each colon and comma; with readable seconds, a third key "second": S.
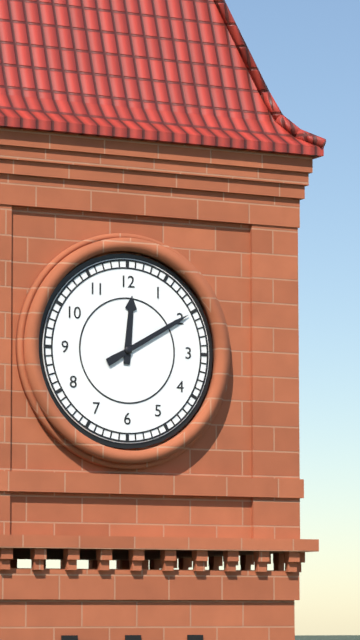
{"hour": 12, "minute": 10}
